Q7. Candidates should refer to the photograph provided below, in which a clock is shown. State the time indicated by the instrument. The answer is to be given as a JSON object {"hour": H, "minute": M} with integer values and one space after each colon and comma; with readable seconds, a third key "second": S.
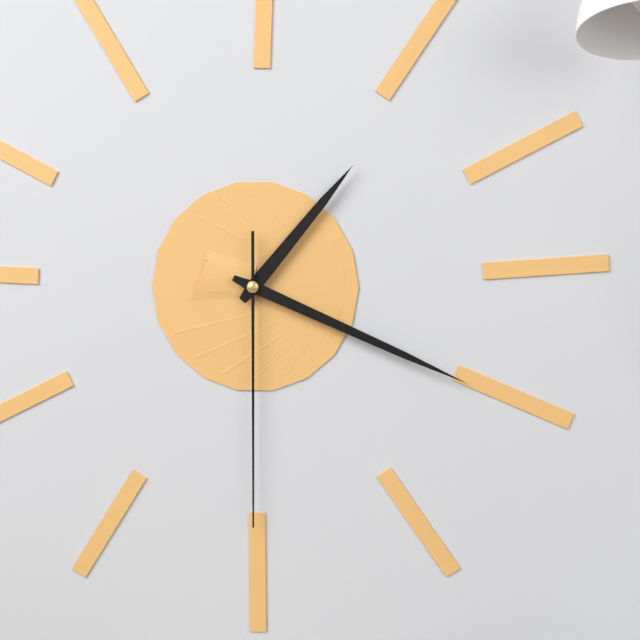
{"hour": 1, "minute": 19, "second": 30}
